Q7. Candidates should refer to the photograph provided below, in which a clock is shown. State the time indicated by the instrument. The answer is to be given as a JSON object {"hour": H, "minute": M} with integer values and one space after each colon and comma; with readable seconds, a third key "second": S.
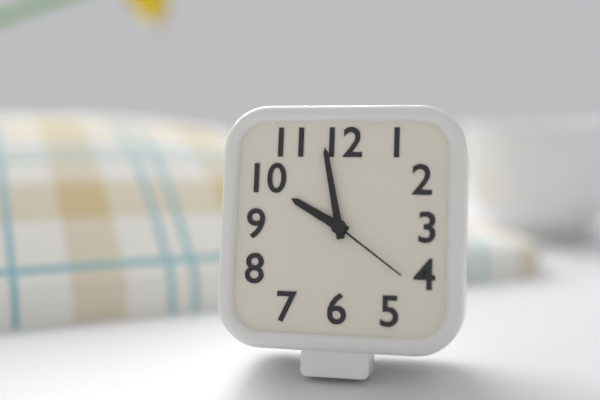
{"hour": 9, "minute": 58, "second": 21}
